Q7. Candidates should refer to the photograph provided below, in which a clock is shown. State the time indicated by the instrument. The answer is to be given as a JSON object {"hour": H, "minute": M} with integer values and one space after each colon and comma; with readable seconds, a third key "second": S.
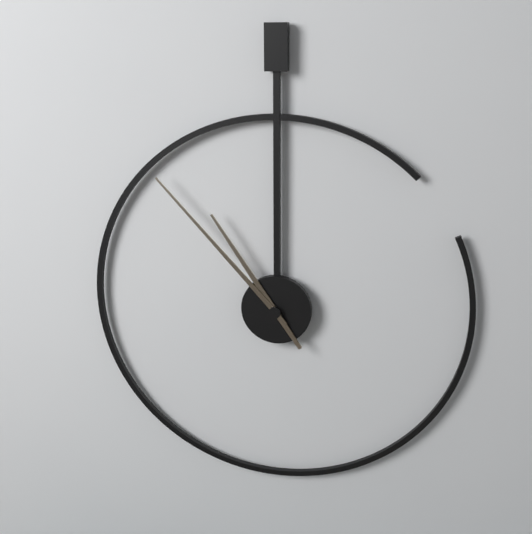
{"hour": 10, "minute": 53}
